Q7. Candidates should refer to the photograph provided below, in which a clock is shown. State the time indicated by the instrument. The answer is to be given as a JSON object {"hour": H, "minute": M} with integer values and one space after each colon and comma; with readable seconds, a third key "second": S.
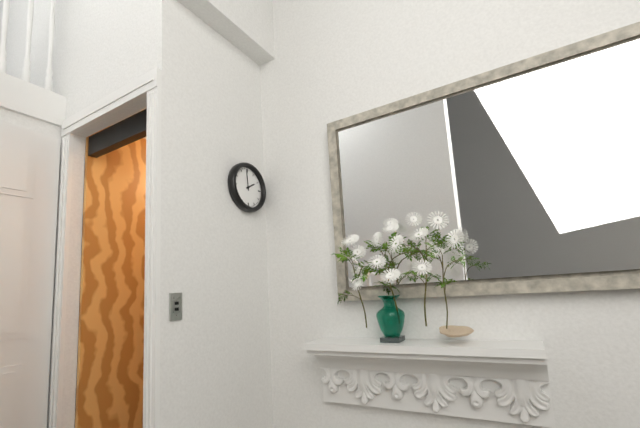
{"hour": 1, "minute": 59}
